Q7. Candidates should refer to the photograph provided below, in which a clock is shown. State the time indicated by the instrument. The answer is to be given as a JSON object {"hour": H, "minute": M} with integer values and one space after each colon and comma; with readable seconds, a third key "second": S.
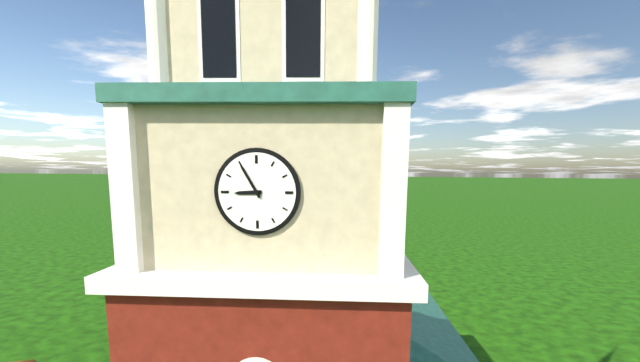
{"hour": 8, "minute": 55}
